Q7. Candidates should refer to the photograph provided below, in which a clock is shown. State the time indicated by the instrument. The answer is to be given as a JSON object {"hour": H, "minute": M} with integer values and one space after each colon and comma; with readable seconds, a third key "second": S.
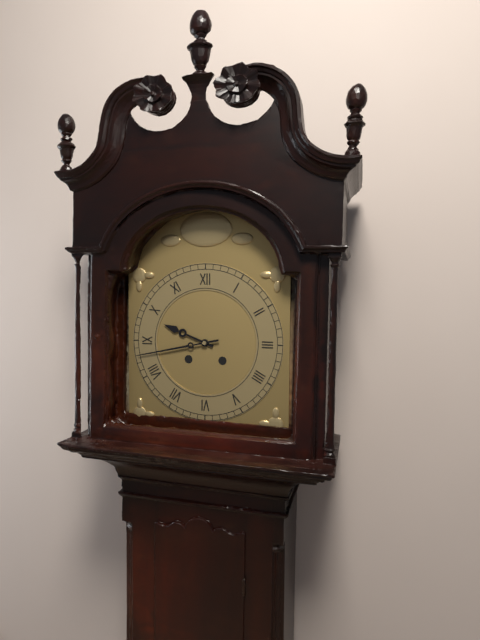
{"hour": 9, "minute": 43}
